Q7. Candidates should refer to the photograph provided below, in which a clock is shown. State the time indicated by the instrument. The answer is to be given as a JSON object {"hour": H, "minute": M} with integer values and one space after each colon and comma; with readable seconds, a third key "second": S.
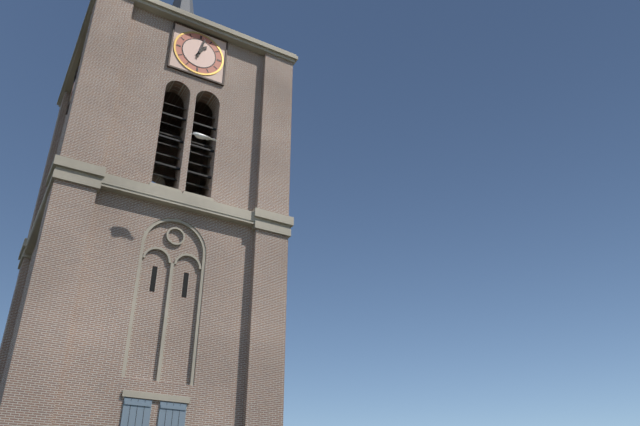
{"hour": 1, "minute": 2}
